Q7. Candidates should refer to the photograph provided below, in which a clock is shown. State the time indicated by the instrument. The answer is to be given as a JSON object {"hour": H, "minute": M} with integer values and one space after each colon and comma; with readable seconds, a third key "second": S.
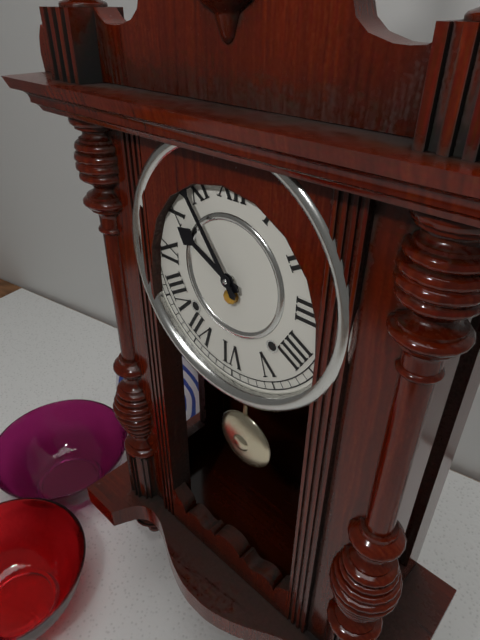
{"hour": 9, "minute": 54}
